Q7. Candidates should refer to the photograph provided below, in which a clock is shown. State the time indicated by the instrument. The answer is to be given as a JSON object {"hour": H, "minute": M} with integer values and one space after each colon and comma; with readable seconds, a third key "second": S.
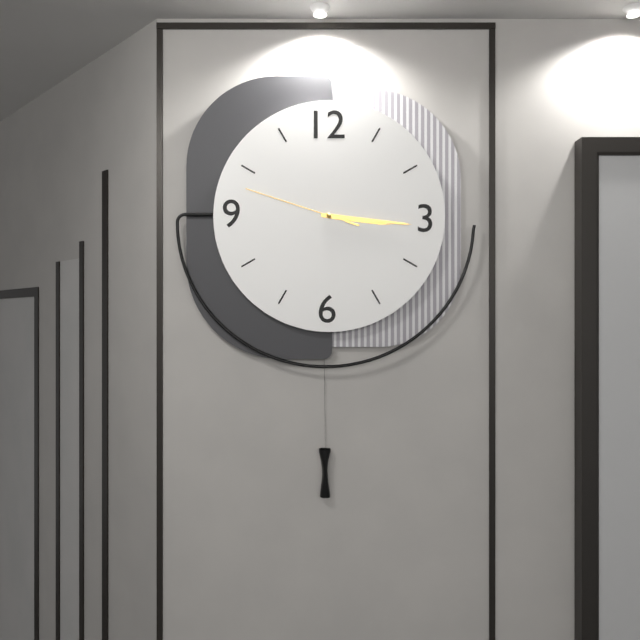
{"hour": 3, "minute": 16, "second": 48}
